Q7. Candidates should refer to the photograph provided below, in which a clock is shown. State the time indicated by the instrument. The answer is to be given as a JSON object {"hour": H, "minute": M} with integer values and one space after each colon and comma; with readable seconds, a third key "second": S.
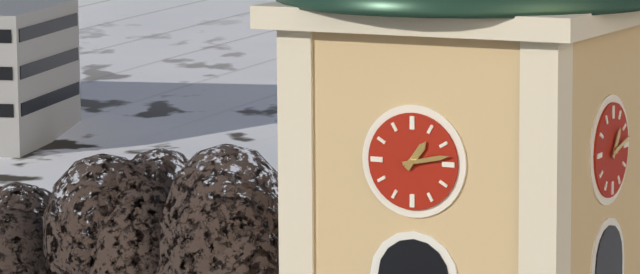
{"hour": 1, "minute": 13}
